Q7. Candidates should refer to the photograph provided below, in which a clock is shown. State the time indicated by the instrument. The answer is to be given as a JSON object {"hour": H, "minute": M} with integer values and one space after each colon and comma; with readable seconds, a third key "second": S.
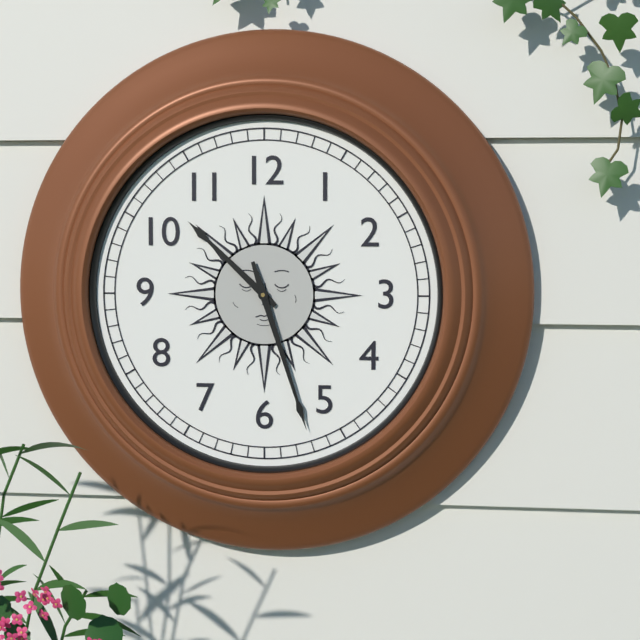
{"hour": 10, "minute": 27}
